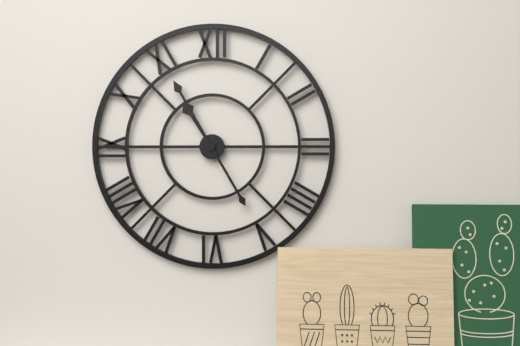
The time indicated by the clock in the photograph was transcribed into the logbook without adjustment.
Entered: 10:55
